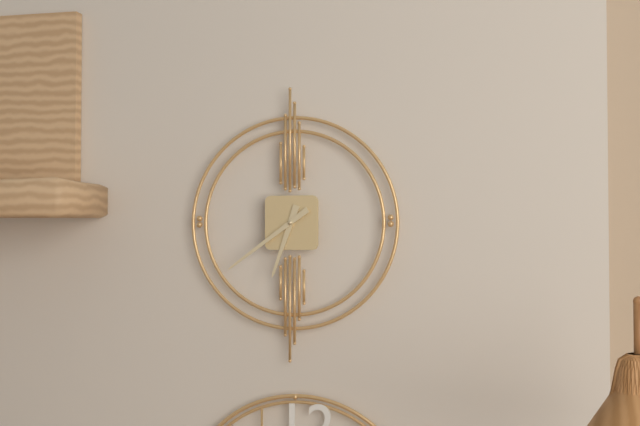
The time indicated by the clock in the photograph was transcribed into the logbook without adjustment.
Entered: 6:39
